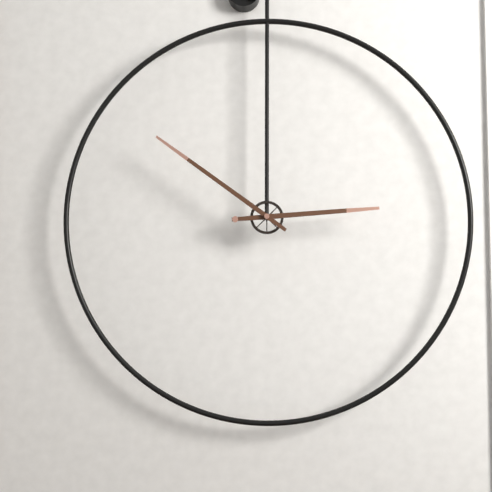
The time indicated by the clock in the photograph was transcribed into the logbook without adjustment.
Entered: 2:51
